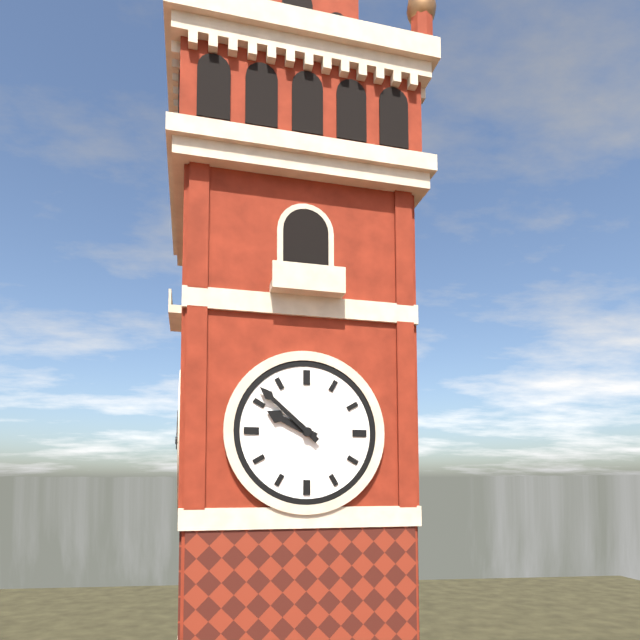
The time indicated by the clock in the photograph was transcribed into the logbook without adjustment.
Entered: 9:52
